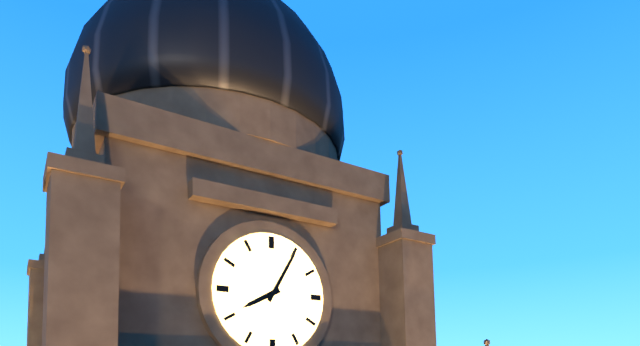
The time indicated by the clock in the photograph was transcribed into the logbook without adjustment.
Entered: 8:05
